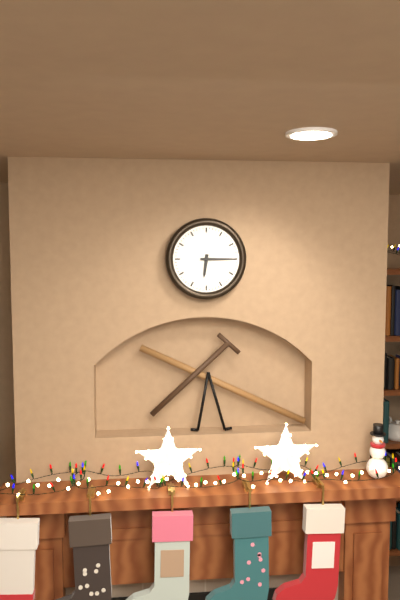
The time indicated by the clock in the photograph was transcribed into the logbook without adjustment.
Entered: 6:15
